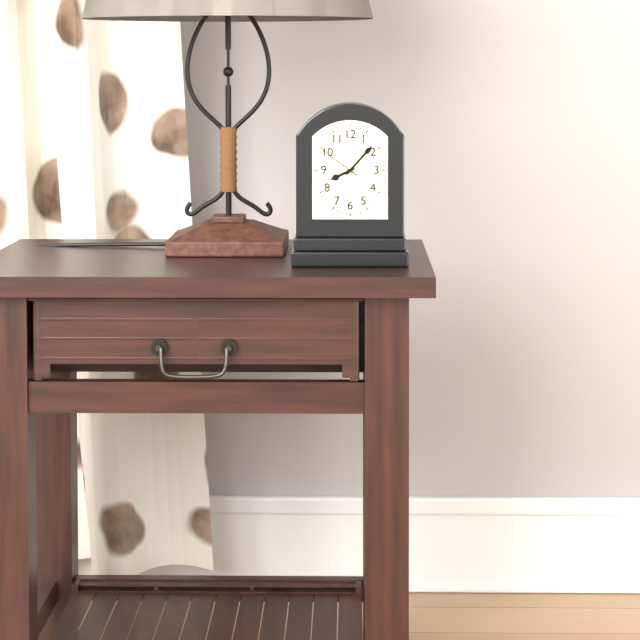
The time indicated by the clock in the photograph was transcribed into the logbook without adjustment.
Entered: 8:07
